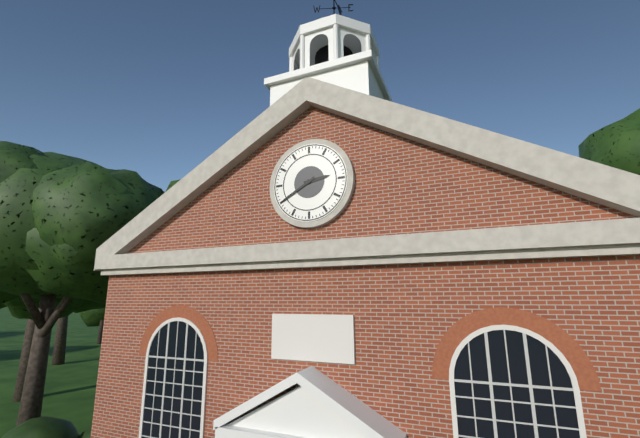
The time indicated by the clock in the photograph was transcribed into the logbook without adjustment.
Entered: 2:40
